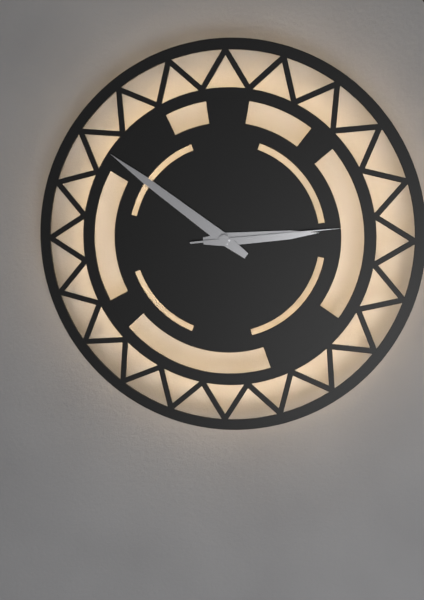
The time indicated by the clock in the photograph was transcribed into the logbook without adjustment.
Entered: 2:51:14
